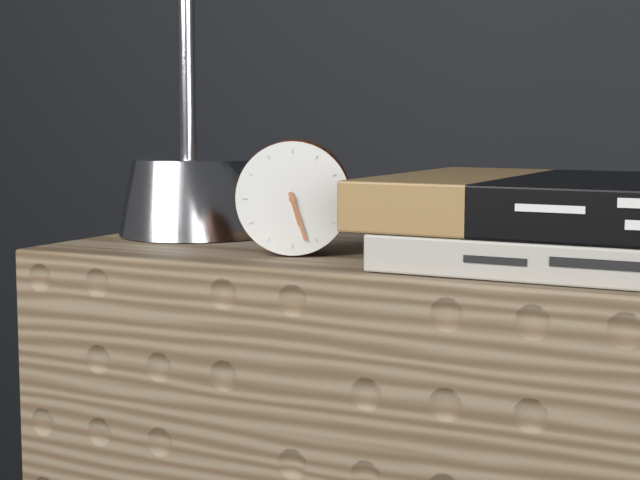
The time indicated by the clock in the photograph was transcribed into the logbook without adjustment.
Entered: 5:27
